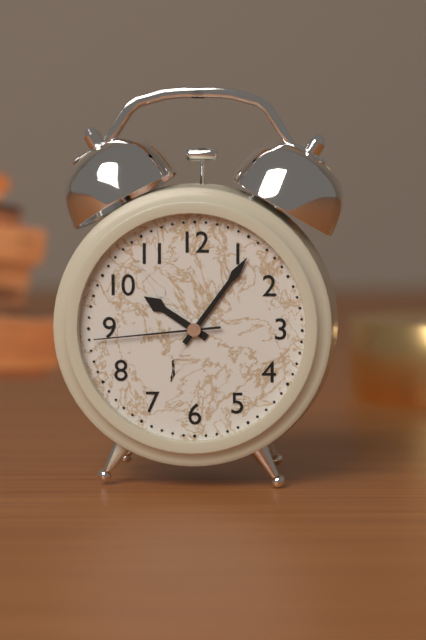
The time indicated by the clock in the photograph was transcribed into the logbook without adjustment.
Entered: 10:06:44
